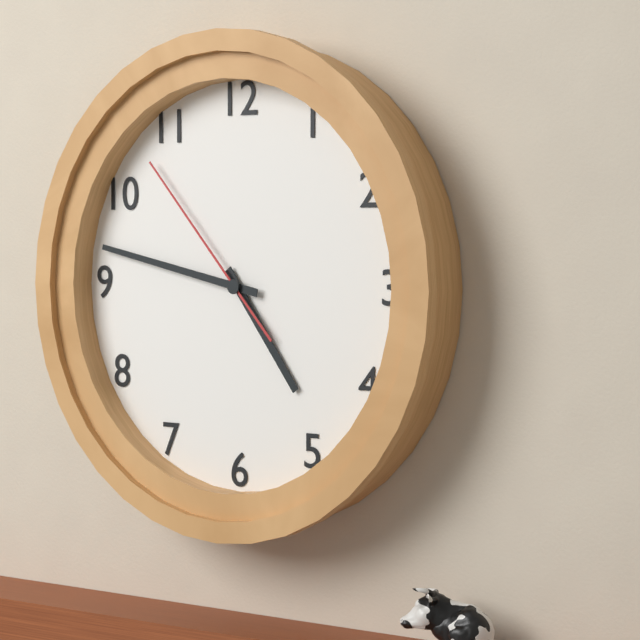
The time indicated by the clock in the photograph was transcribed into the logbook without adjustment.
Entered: 4:47:53
